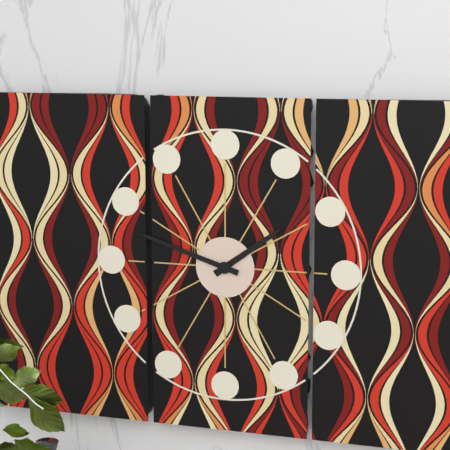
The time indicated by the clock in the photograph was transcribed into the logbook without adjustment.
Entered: 1:48
